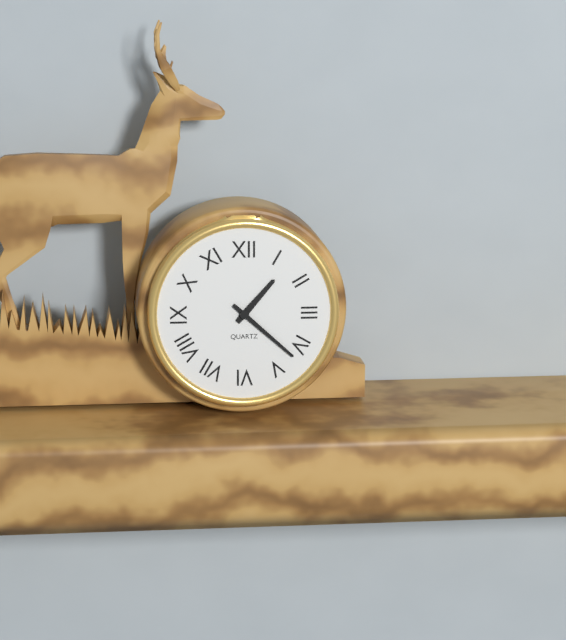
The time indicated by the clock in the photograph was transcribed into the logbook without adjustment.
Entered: 1:22
